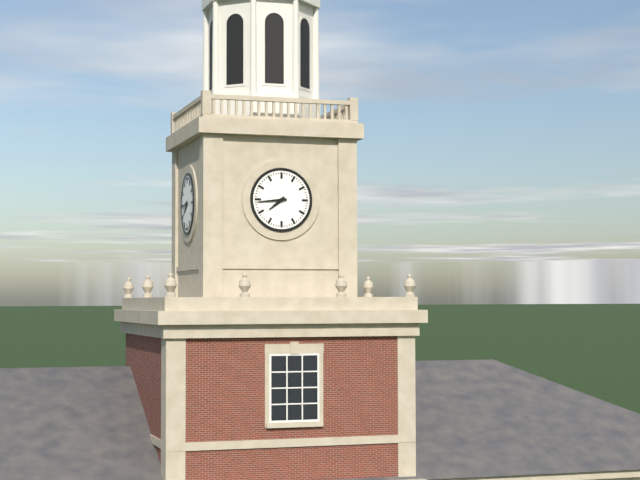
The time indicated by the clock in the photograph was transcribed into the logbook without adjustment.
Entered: 7:44
